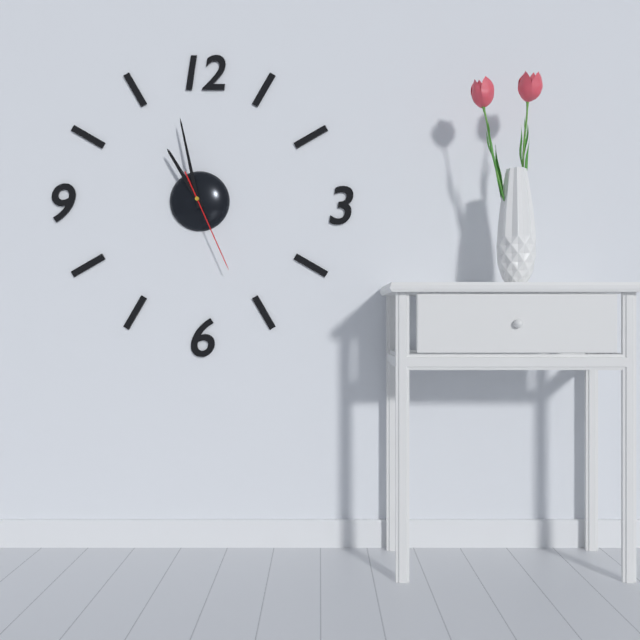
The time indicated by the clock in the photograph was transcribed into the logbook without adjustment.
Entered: 10:58:26
